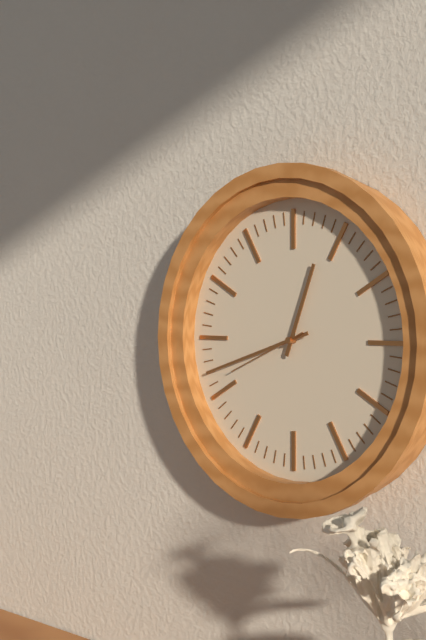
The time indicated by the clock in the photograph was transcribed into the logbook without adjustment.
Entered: 12:42:41
